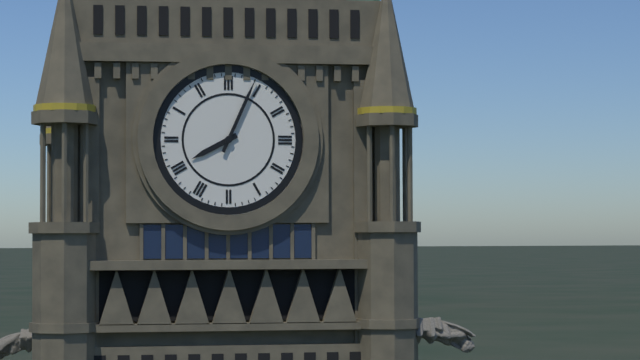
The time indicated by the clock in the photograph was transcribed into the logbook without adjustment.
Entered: 8:04
